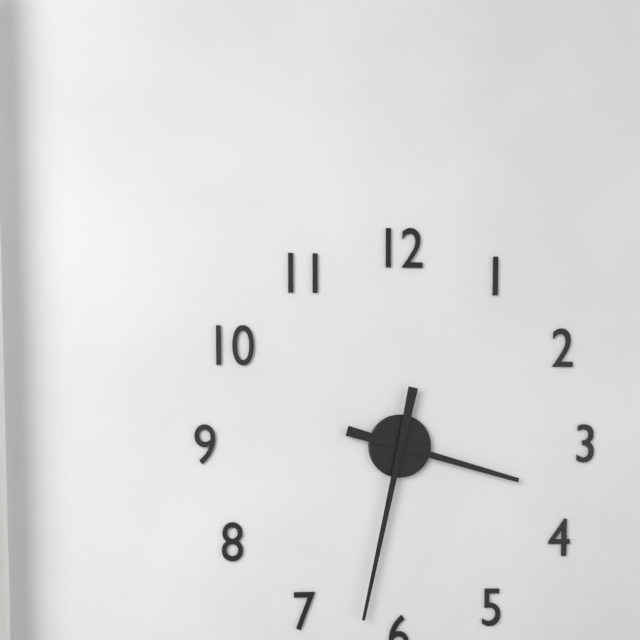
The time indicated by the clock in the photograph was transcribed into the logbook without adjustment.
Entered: 3:32
